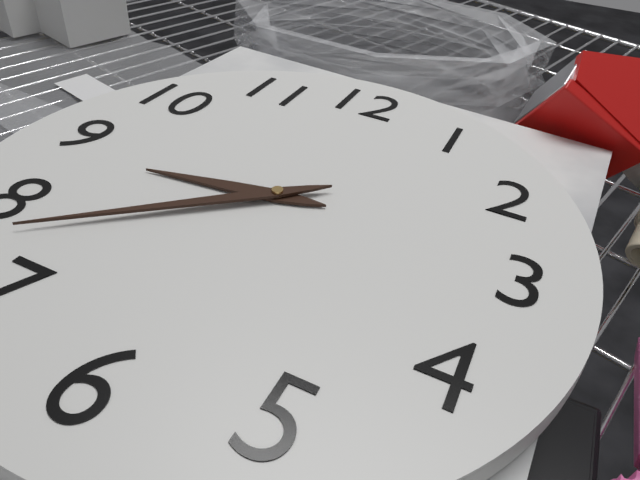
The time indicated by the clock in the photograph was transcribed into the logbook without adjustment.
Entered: 8:38
